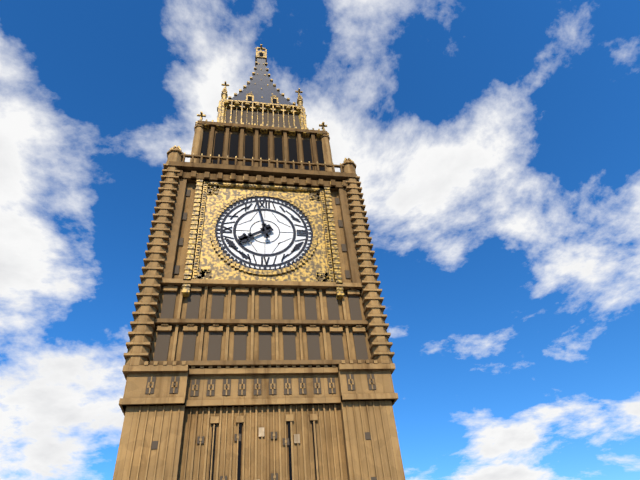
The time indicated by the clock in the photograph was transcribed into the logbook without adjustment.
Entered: 7:58
